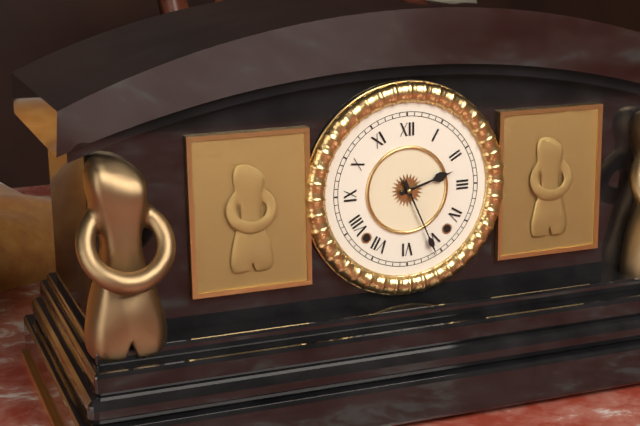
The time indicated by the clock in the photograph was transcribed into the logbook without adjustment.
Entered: 2:26
